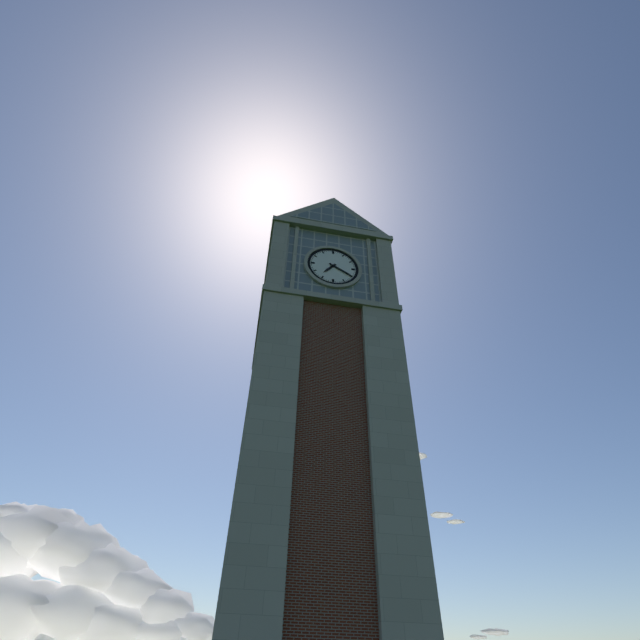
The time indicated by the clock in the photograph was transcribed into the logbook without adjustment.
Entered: 7:20
